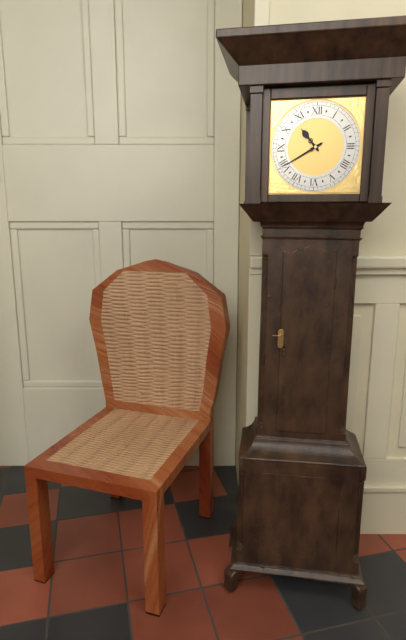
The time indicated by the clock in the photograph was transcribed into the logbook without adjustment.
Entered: 10:40
